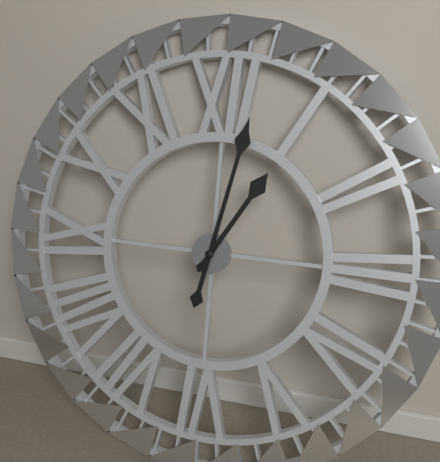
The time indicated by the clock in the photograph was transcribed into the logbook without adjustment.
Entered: 1:02
